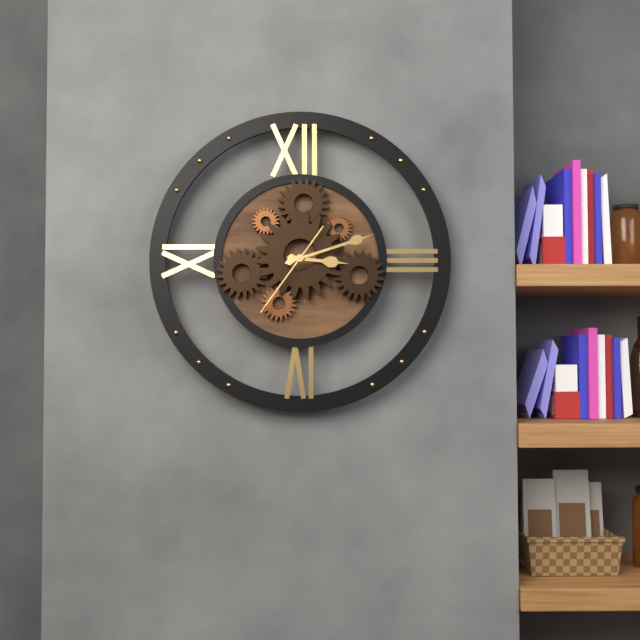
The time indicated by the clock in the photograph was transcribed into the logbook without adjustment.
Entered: 3:12:36
